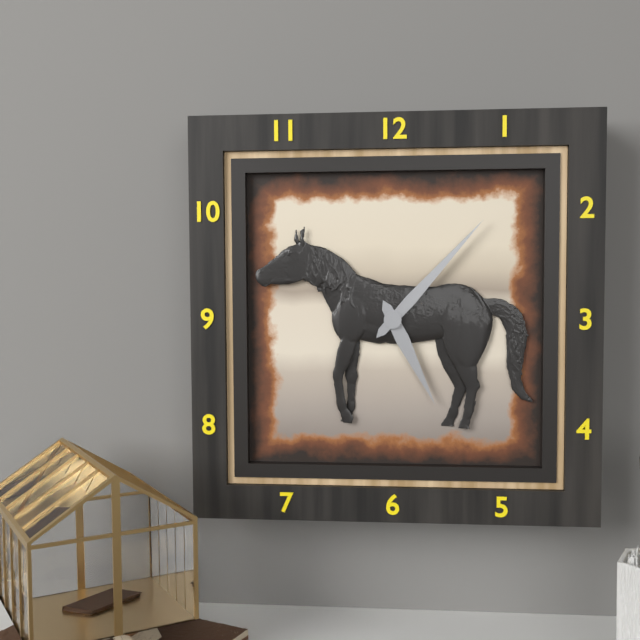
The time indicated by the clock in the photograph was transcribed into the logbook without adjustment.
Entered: 5:07
